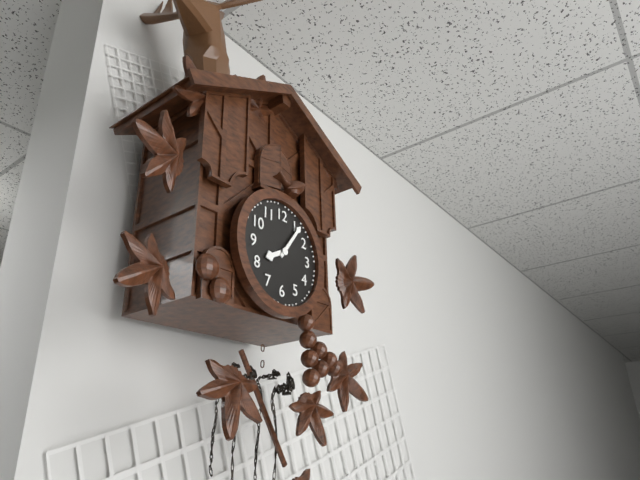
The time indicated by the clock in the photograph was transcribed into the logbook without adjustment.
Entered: 8:06
